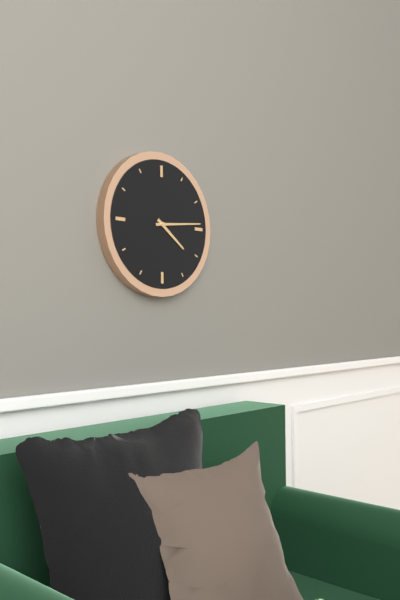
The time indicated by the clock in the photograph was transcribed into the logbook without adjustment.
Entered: 4:14
